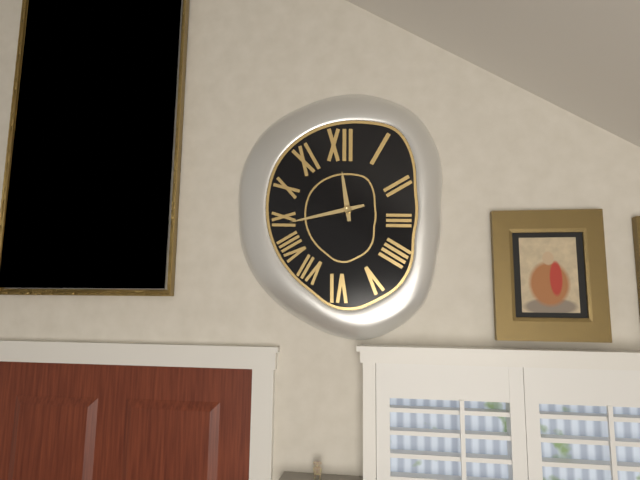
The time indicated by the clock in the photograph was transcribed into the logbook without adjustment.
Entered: 11:43
